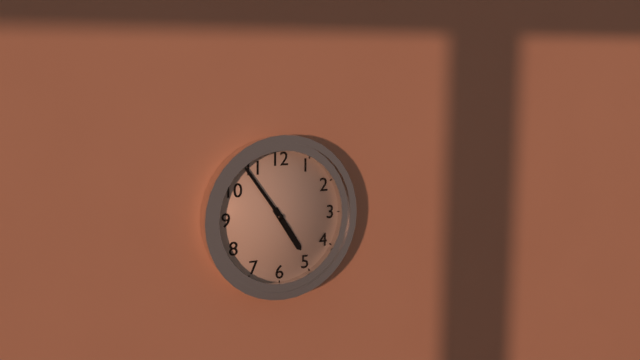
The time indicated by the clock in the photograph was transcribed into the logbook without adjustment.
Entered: 4:54
